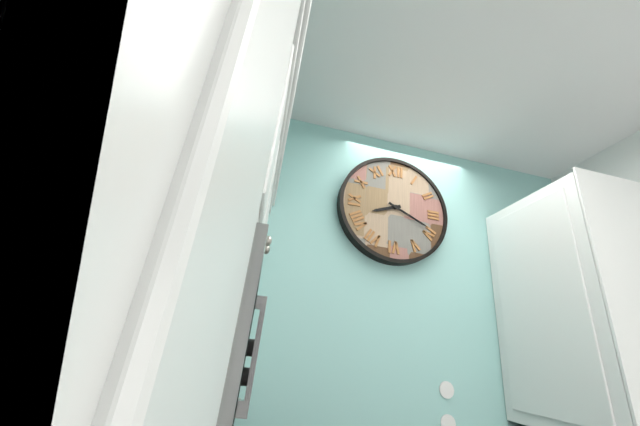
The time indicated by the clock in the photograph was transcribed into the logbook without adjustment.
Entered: 8:19
